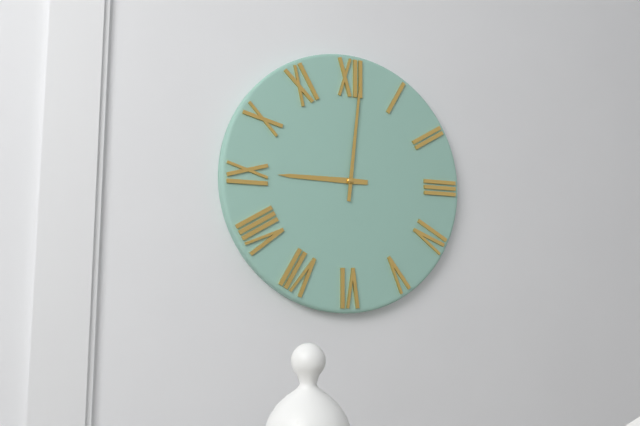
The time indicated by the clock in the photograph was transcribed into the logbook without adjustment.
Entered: 9:01
